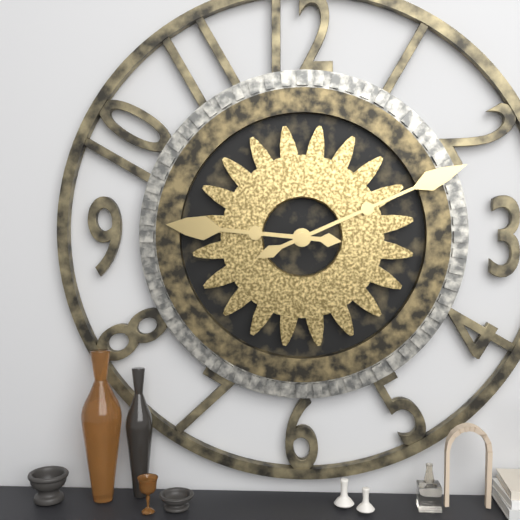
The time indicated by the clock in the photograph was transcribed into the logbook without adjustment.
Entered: 9:11
